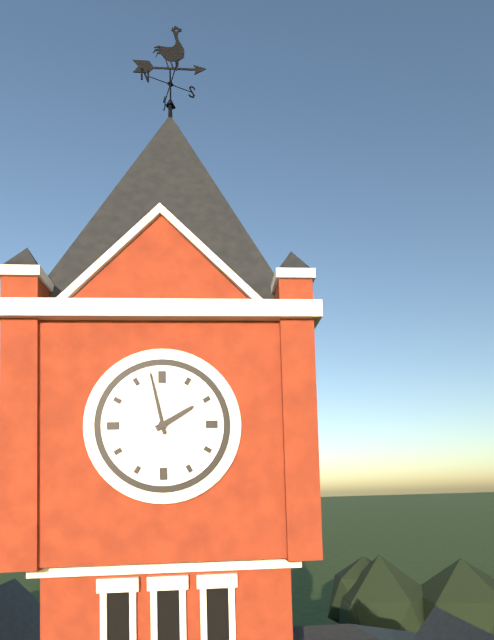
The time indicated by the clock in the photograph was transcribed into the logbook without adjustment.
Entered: 1:58
